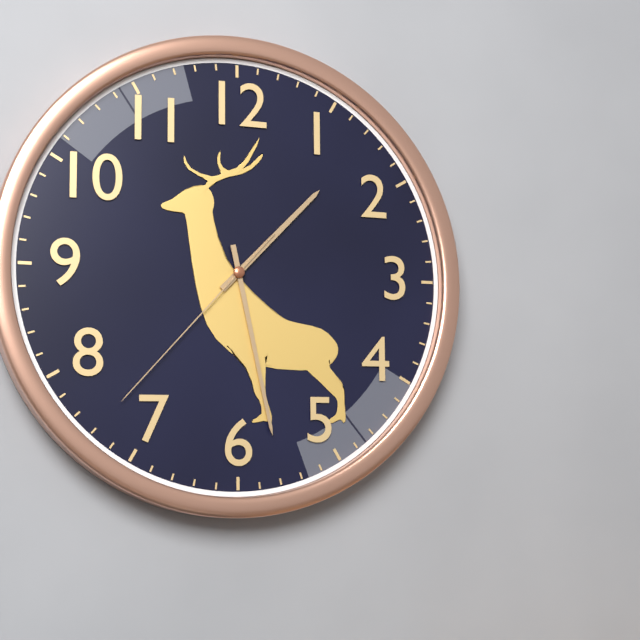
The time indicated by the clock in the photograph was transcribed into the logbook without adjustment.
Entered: 1:28:37
